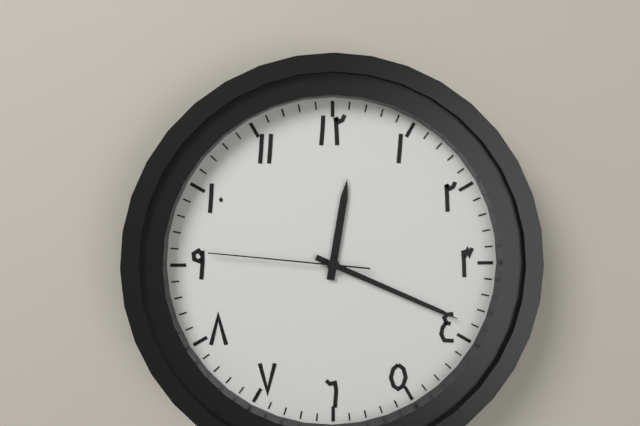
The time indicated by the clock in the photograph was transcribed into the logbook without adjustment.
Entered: 12:19:46
